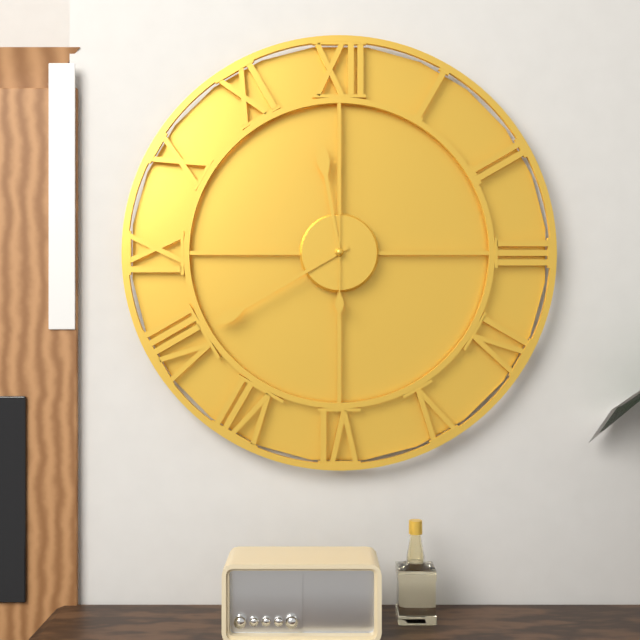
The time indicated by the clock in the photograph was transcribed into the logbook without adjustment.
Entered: 11:40:00
